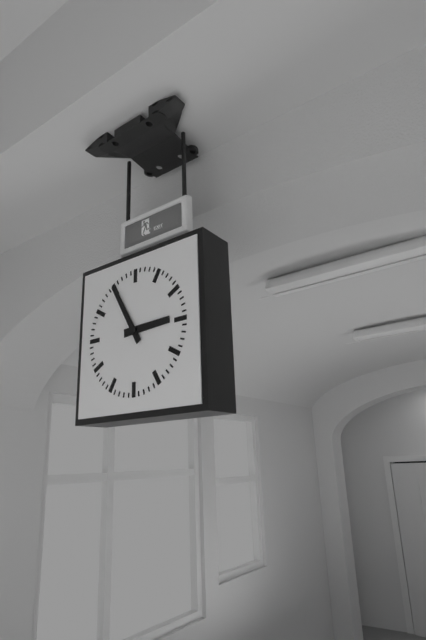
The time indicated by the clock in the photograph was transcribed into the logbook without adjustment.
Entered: 2:55
